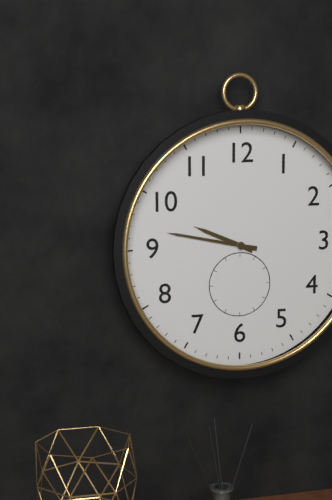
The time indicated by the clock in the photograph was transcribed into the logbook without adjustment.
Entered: 9:47
